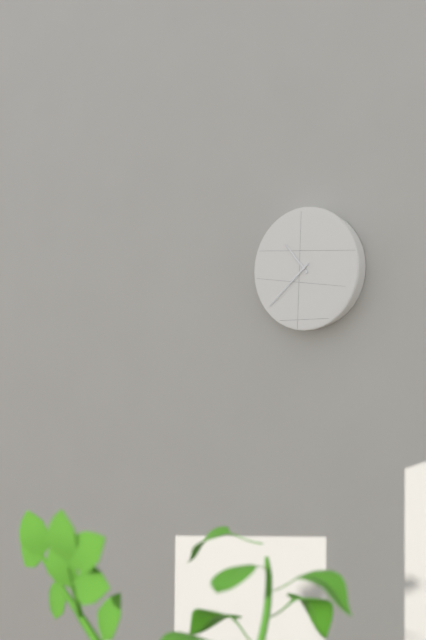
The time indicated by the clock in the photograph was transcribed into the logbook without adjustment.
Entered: 10:38
